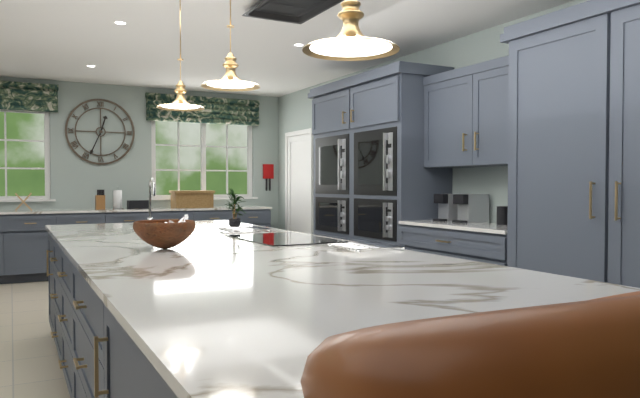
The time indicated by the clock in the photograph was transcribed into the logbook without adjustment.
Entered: 12:34
